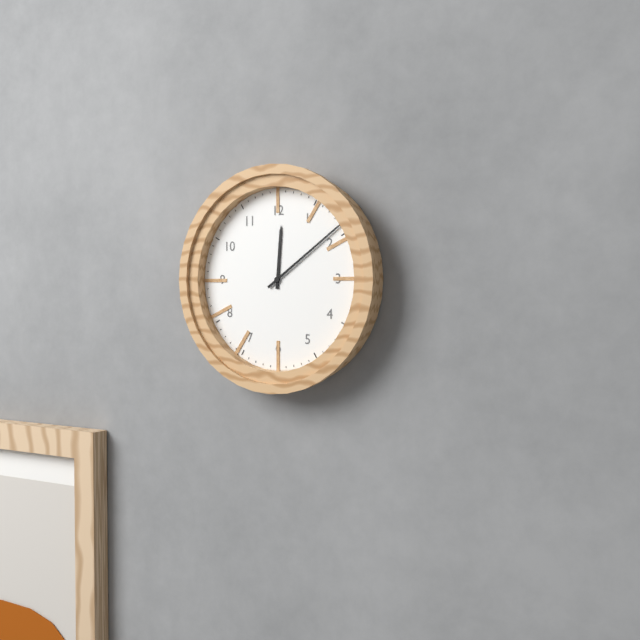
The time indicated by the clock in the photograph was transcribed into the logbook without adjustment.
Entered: 12:09
